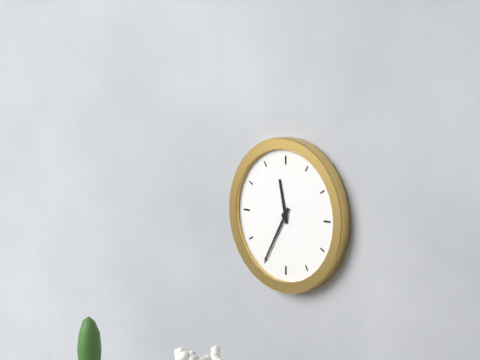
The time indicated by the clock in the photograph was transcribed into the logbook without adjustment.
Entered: 11:35
